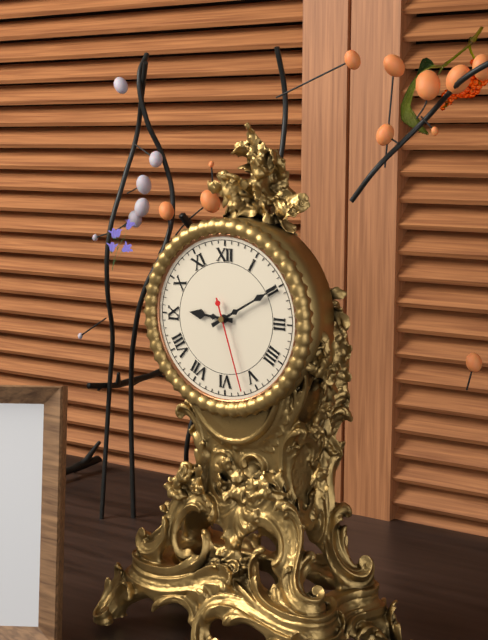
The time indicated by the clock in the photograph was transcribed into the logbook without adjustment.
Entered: 9:10:27
